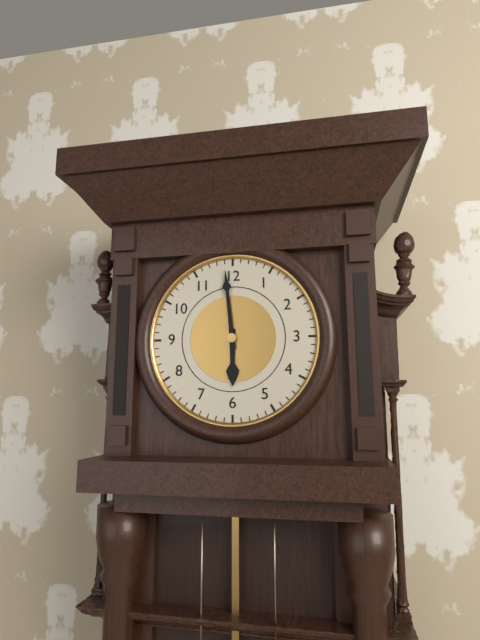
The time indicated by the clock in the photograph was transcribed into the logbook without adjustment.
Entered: 5:59
